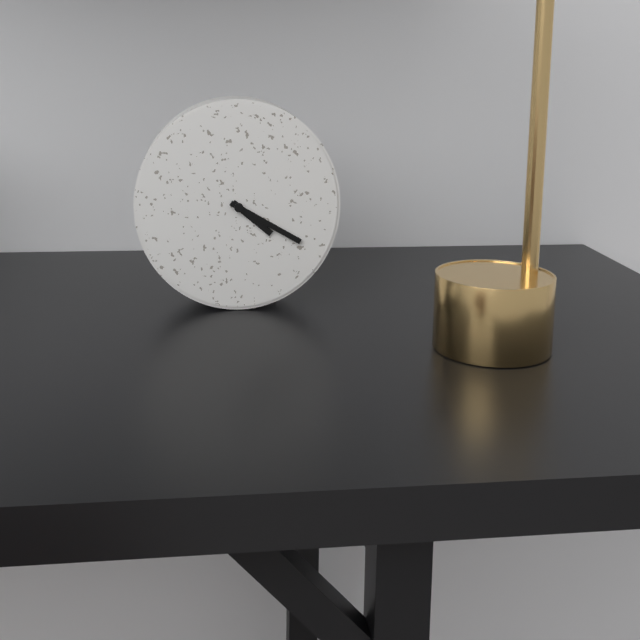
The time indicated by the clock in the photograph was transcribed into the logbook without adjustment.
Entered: 4:20
